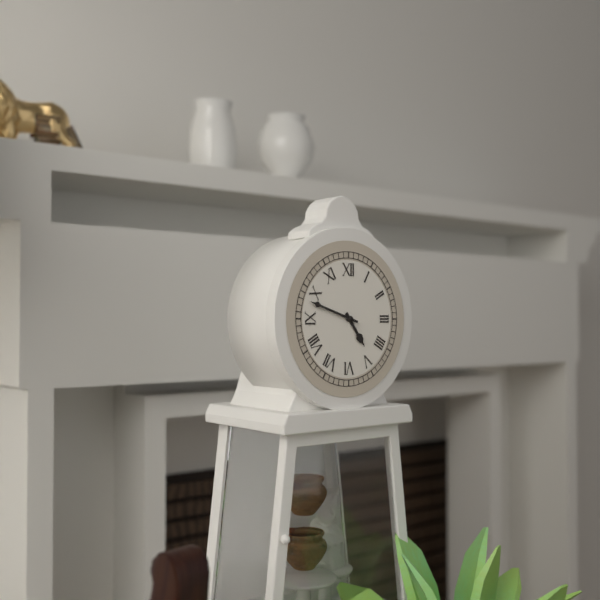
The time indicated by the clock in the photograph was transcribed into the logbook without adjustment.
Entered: 4:48
